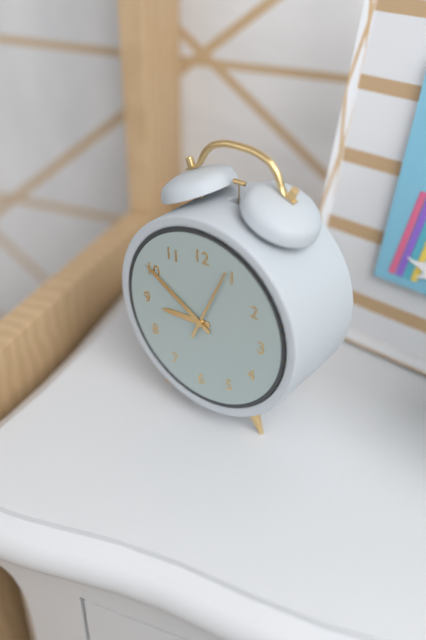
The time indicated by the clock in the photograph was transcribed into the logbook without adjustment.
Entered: 8:50:04
